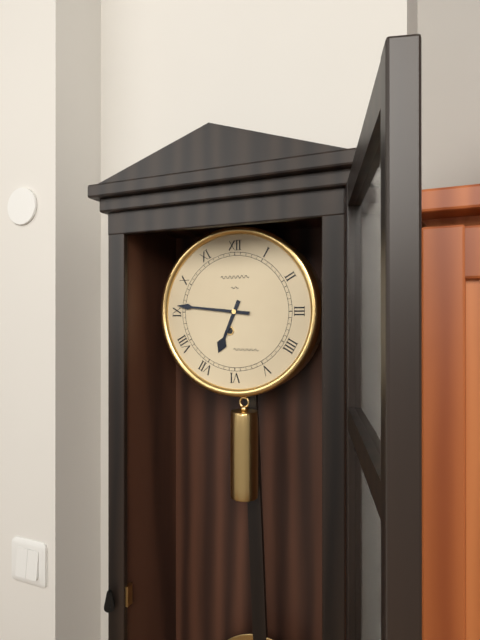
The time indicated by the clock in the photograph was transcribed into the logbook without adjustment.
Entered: 6:46
